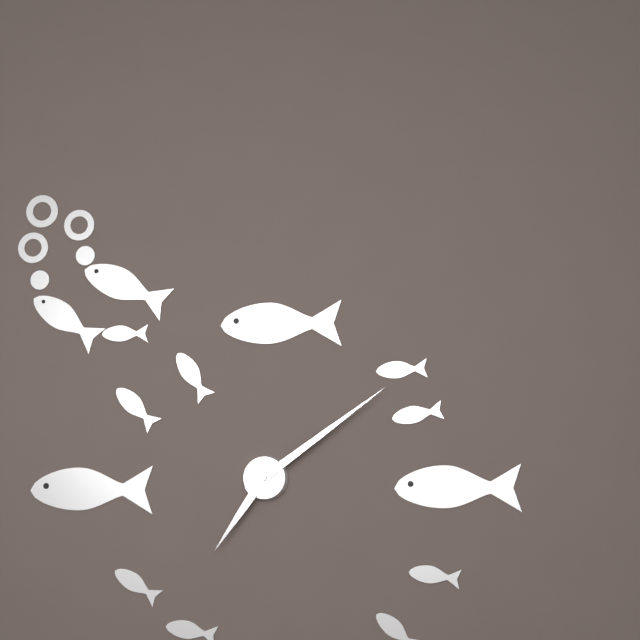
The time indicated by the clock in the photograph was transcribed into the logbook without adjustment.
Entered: 7:09
